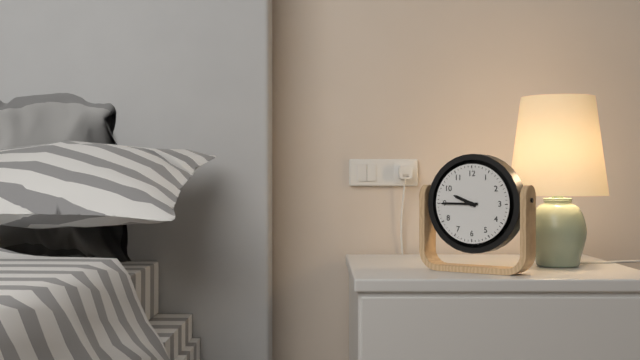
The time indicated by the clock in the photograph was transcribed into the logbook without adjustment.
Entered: 9:45
